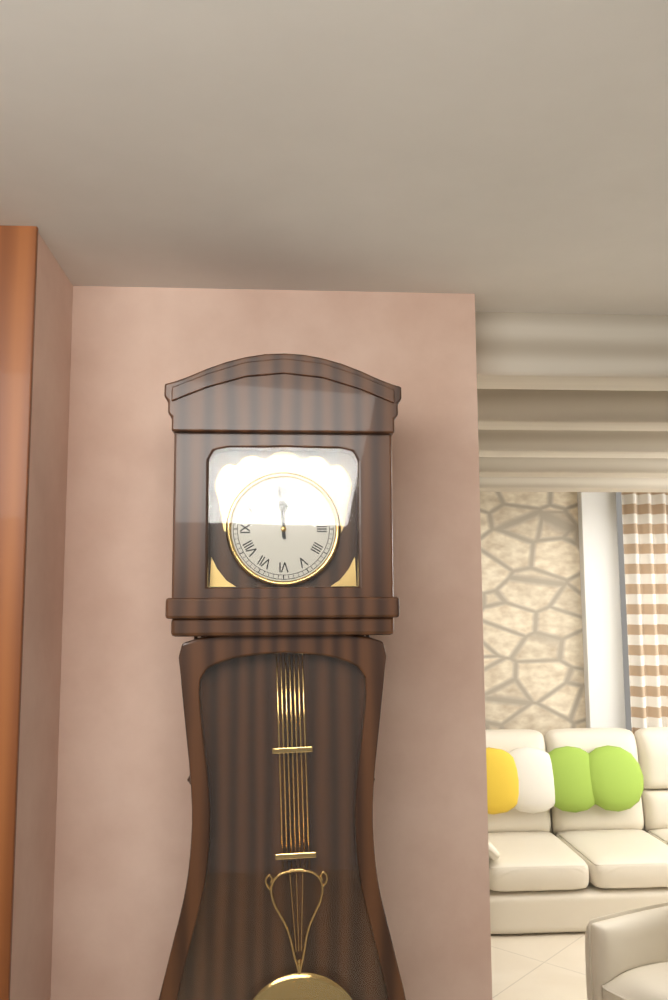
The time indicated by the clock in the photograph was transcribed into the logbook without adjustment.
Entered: 11:59
